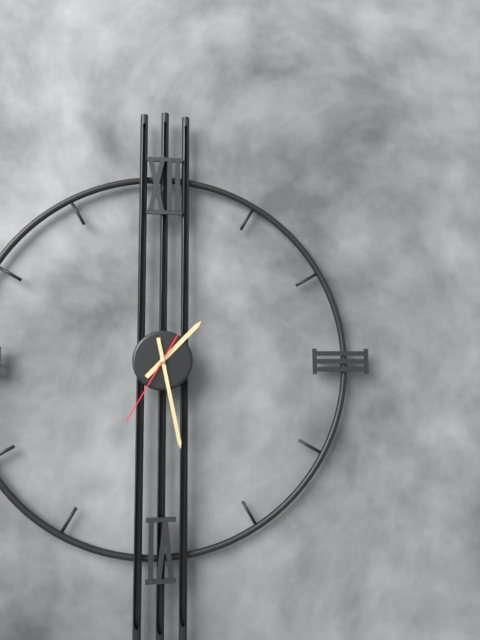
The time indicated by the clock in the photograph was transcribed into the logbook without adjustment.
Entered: 1:28:35
